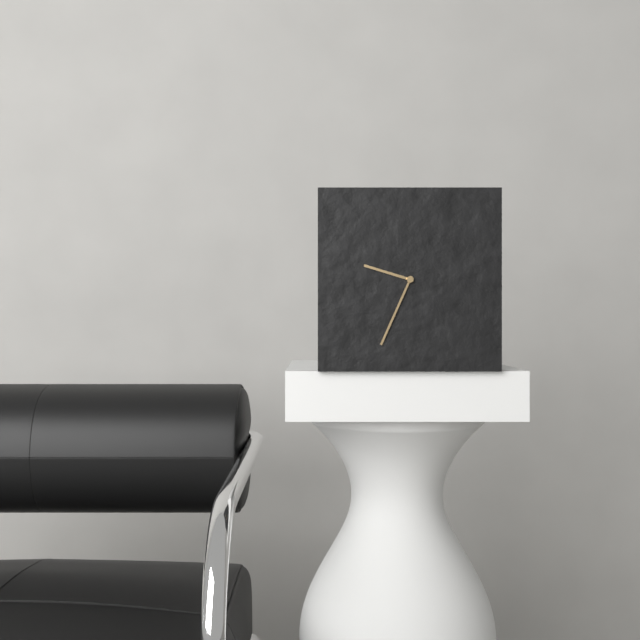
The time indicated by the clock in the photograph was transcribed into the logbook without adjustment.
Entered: 9:34
